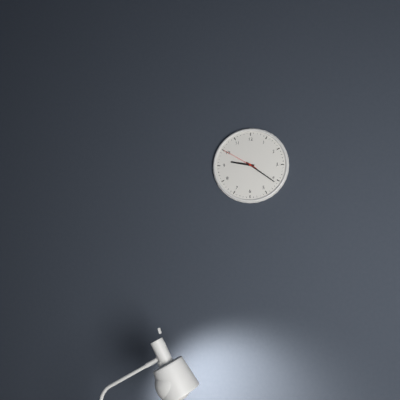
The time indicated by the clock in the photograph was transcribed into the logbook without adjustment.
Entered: 9:21
